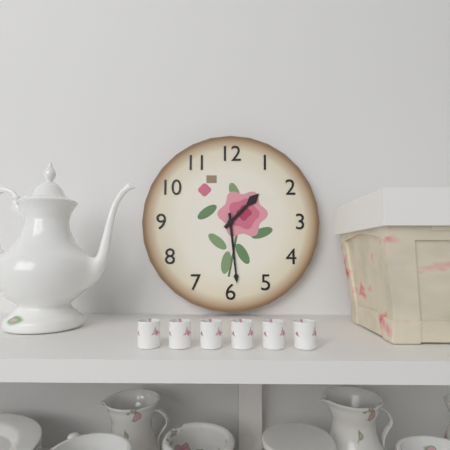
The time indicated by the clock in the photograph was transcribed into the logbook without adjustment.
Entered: 1:29
